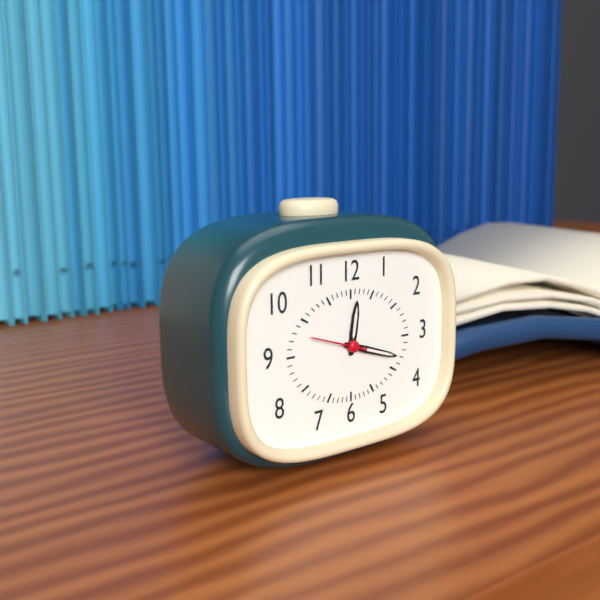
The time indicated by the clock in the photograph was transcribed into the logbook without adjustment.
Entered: 12:18:48
